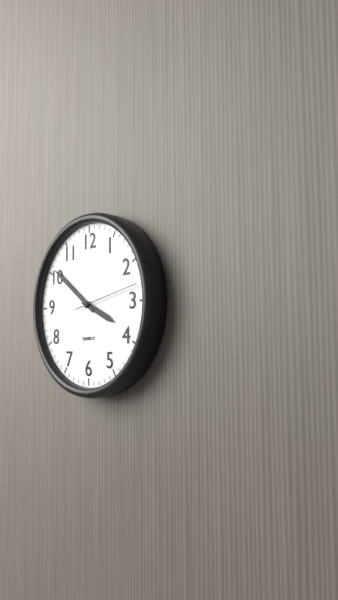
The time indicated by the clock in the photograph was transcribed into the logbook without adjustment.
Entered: 3:51:13
